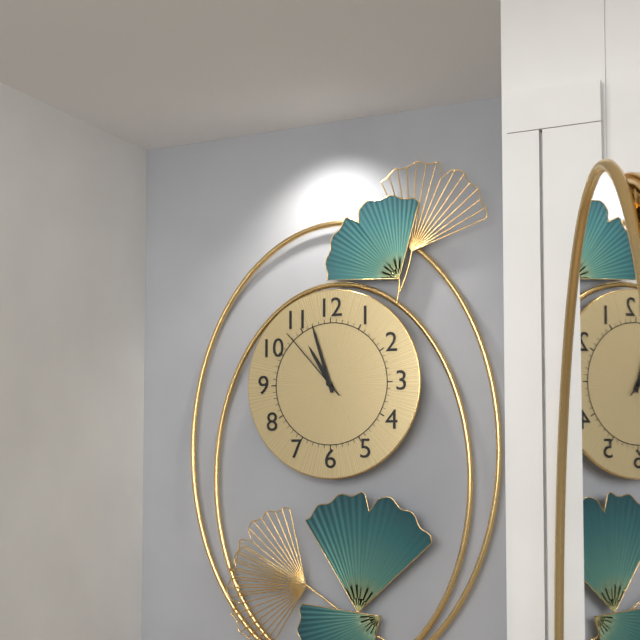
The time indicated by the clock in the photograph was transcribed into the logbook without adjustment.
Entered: 10:57:53
